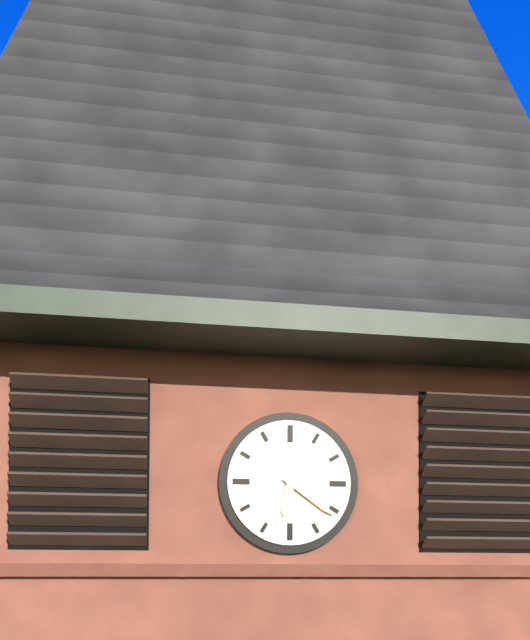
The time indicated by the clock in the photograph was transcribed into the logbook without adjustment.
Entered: 6:21
